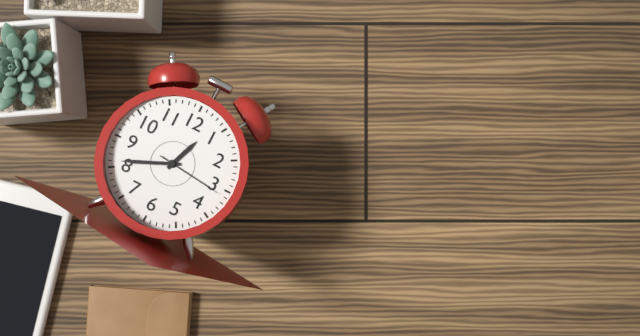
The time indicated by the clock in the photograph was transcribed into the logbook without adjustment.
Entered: 12:41:16
